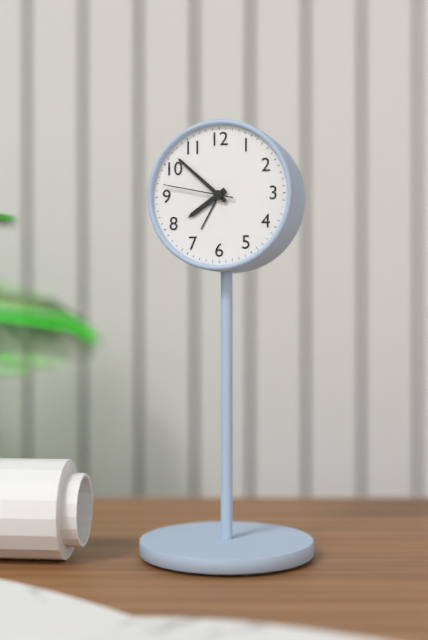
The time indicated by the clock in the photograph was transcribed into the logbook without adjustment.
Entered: 7:52:47
